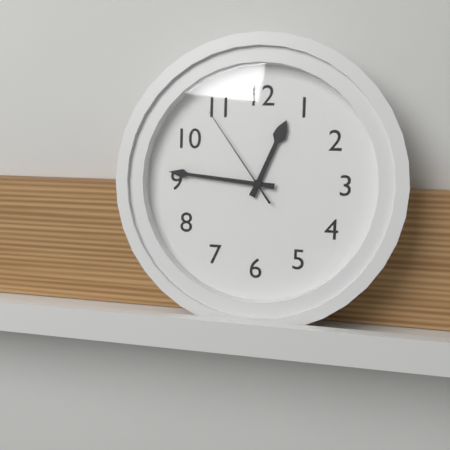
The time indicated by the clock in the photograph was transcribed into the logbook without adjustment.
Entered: 12:46:54
